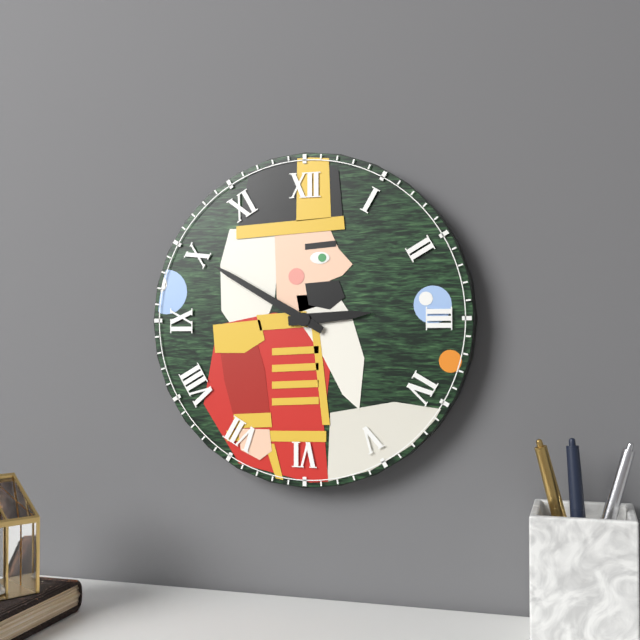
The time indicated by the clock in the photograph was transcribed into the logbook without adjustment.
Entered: 2:50
